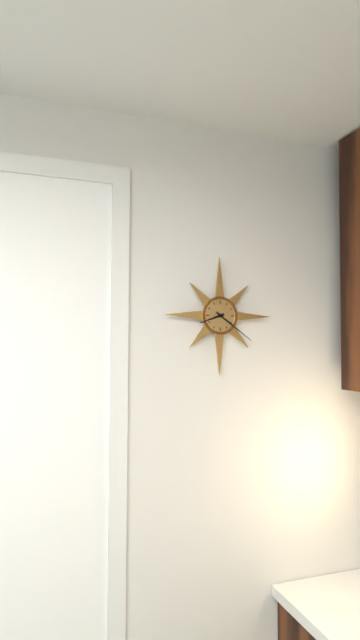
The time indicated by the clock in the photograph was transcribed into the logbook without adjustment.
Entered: 8:21
